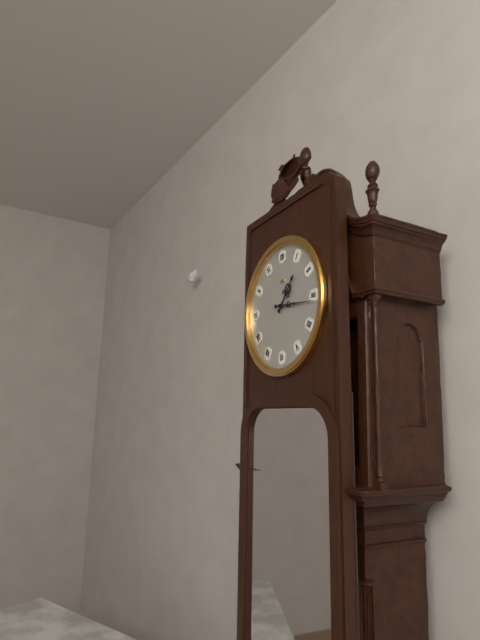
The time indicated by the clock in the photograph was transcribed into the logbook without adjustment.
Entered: 1:16
